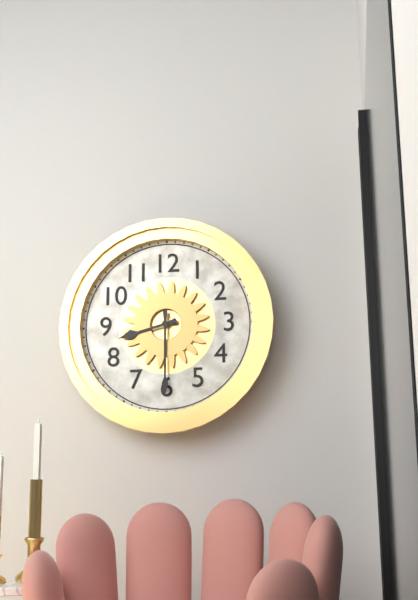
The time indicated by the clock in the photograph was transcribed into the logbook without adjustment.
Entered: 8:30
